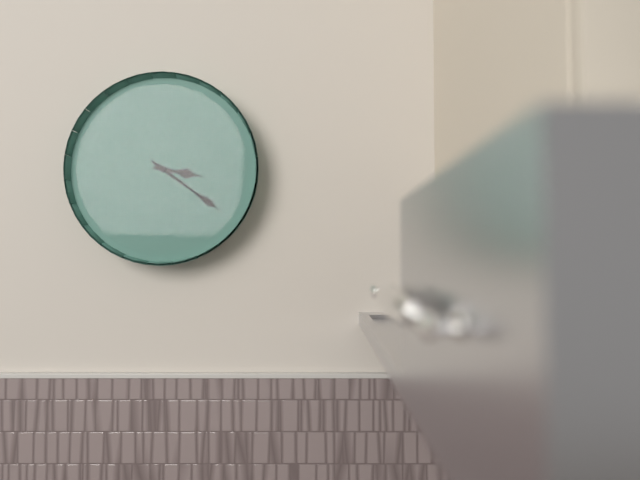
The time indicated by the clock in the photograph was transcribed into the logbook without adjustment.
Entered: 3:21
